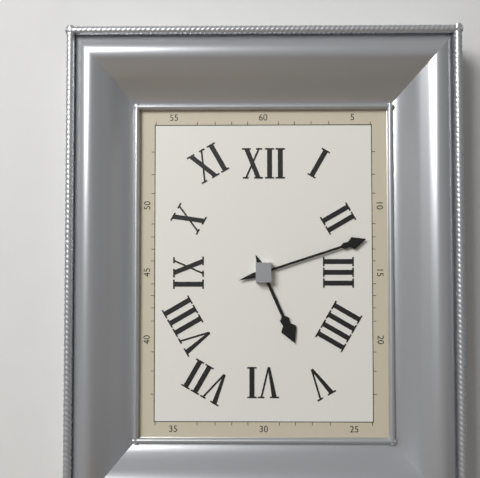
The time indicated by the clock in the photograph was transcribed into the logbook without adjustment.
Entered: 5:12
